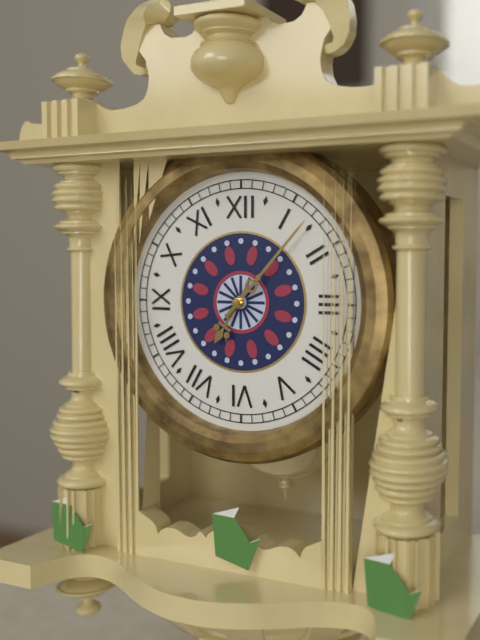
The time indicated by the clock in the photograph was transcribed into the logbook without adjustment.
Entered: 7:07
